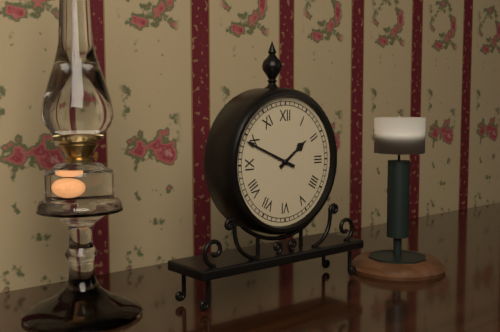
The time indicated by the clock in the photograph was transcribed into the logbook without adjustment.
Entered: 1:49
